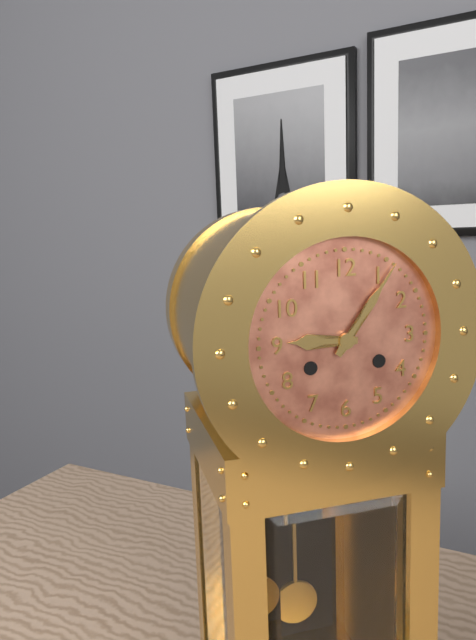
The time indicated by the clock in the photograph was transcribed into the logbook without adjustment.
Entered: 9:06
